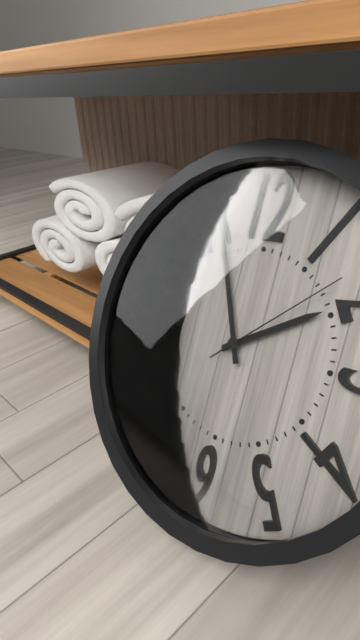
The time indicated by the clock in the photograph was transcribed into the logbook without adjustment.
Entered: 1:56:08
